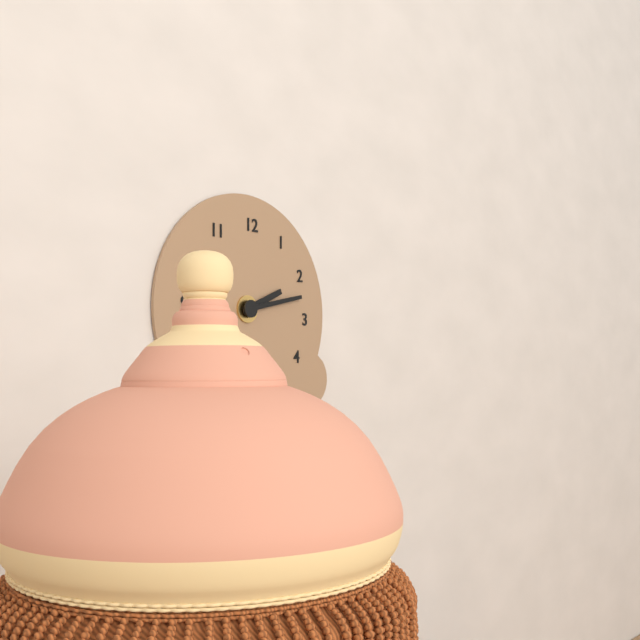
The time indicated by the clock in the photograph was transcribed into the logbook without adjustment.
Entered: 2:13
